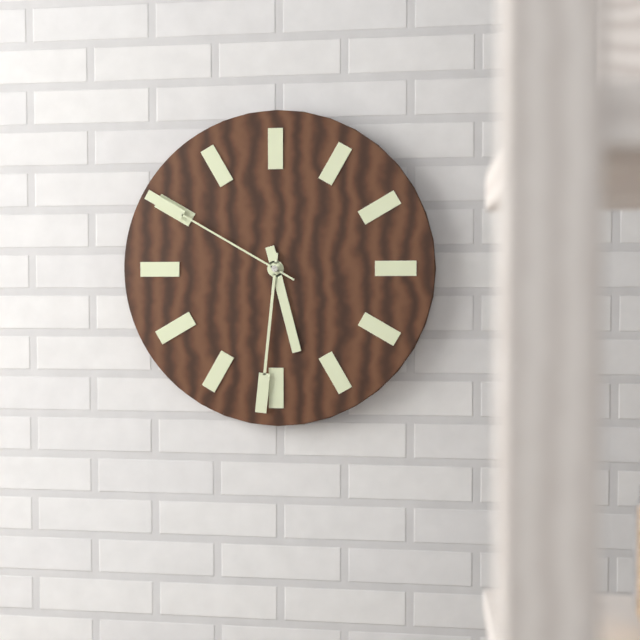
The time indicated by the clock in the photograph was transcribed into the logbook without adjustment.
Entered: 5:31:50
